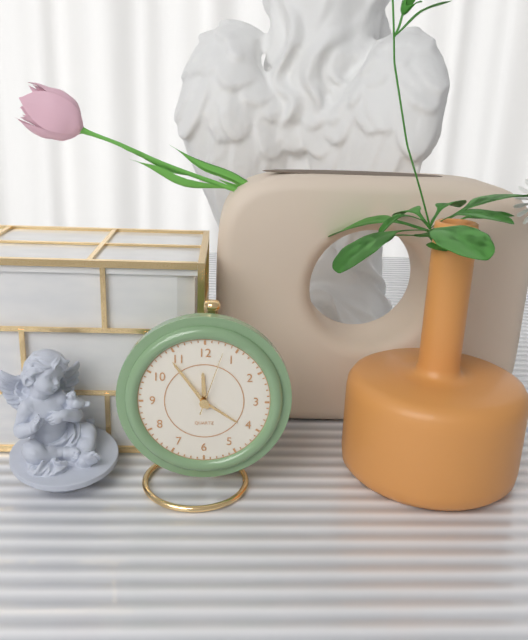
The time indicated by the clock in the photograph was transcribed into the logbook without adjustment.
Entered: 11:54:03
